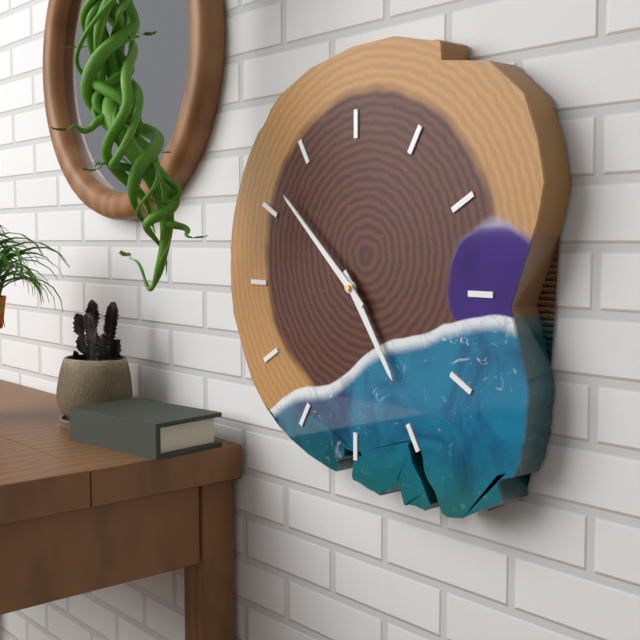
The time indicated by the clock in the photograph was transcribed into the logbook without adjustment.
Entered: 4:52
